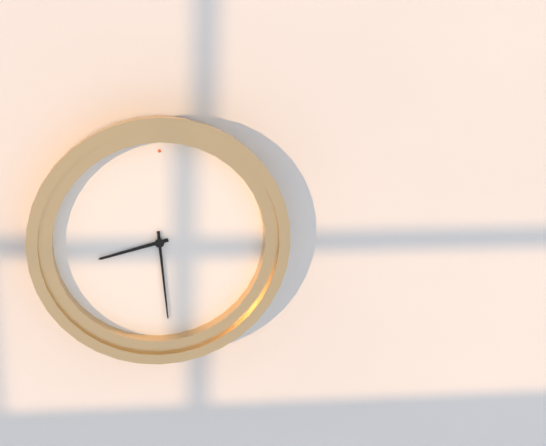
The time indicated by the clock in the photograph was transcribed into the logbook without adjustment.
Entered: 8:29
